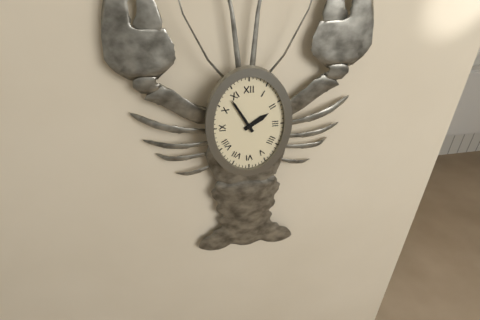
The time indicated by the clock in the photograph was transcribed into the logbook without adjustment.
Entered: 1:55
